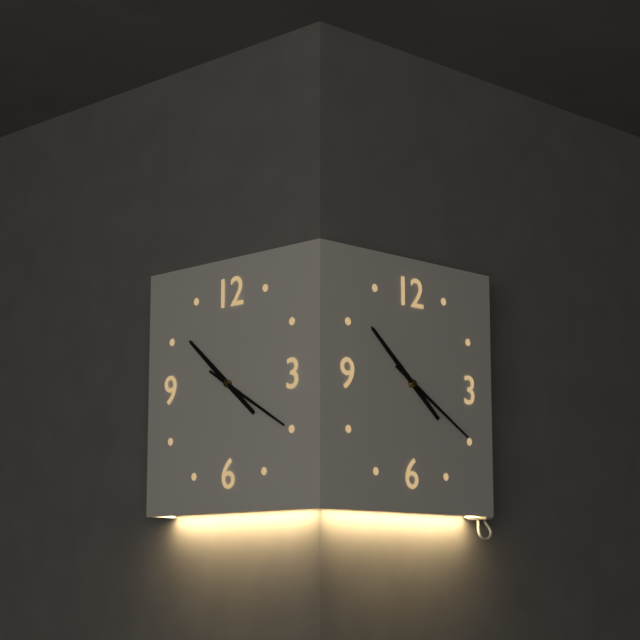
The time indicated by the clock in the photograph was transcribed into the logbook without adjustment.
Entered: 10:20
